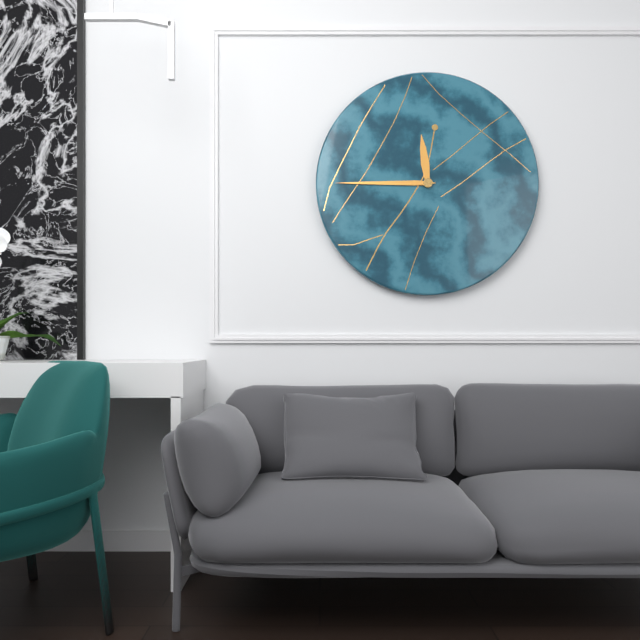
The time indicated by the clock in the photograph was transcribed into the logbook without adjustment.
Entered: 11:45
